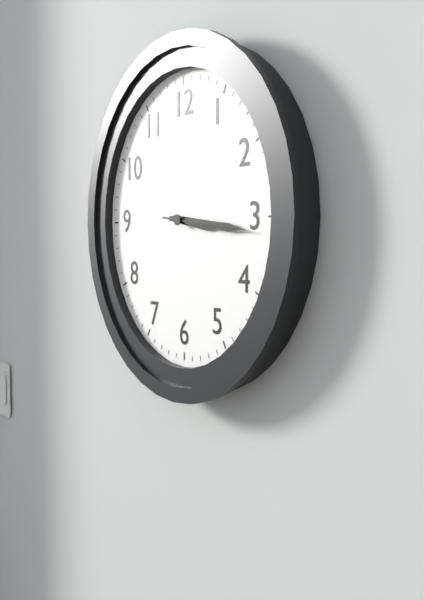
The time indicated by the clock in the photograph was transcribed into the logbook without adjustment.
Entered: 3:16:16
